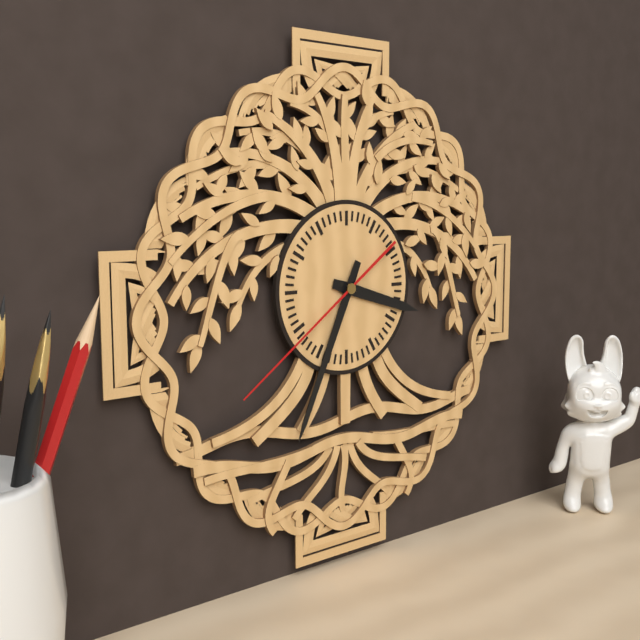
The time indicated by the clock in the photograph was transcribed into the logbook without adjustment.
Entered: 3:34:39
